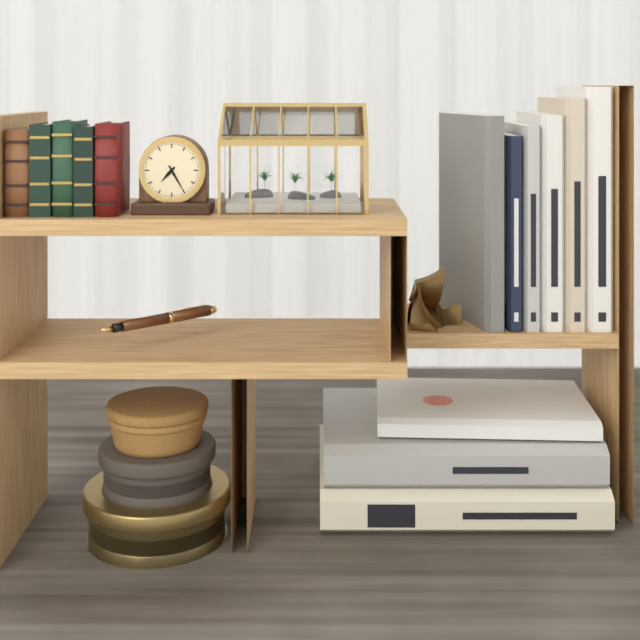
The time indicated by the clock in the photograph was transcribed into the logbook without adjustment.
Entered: 7:25
